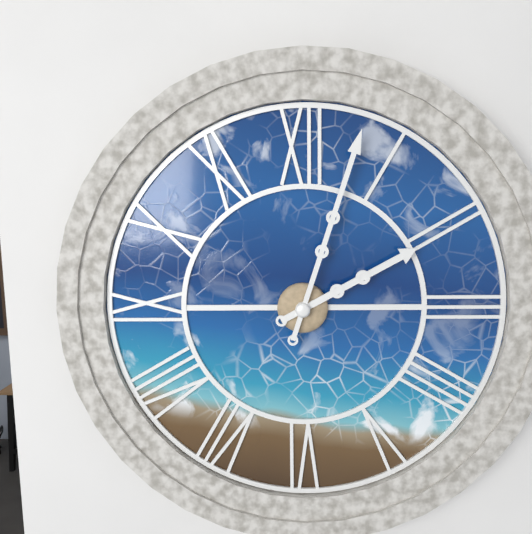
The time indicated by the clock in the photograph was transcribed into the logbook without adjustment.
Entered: 2:03
